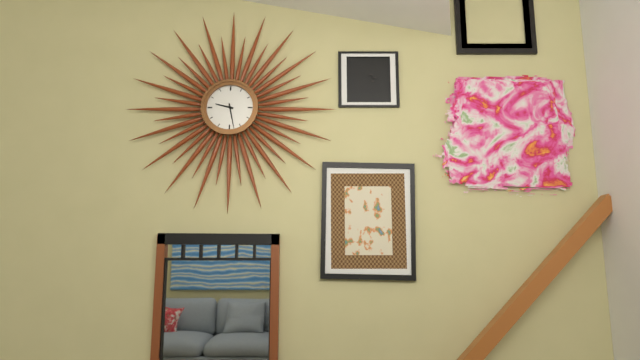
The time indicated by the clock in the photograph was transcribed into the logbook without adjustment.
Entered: 9:28
